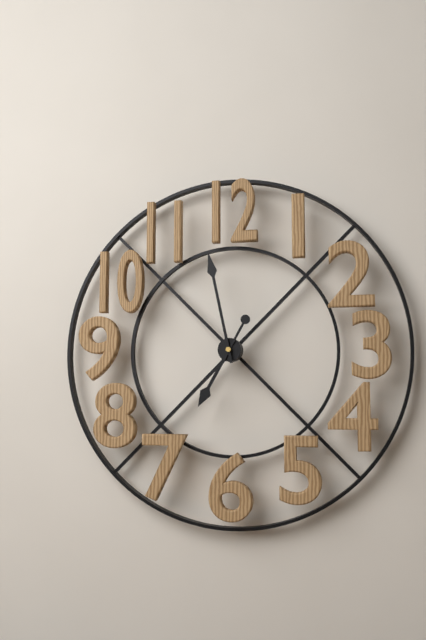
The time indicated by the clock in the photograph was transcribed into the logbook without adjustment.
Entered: 6:58
